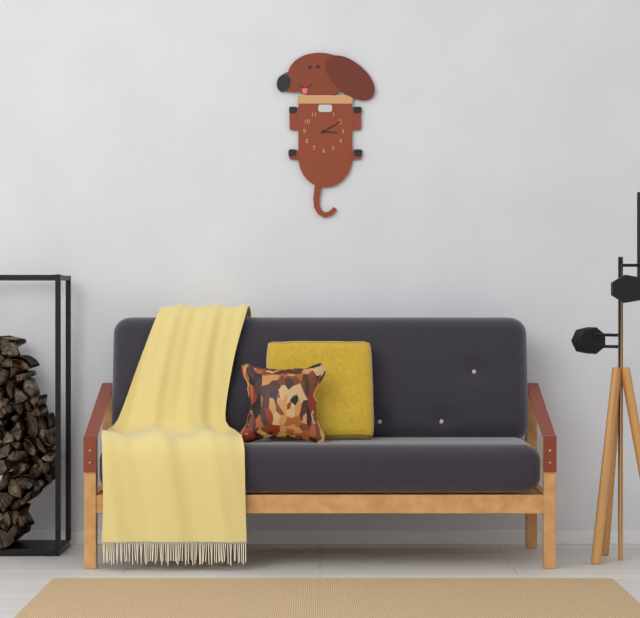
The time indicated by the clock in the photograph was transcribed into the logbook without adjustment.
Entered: 3:10
